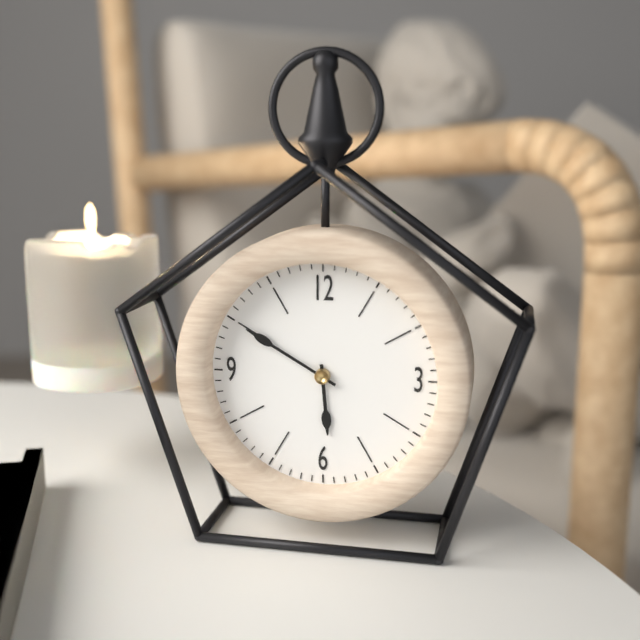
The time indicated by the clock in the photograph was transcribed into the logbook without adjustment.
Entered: 5:50
